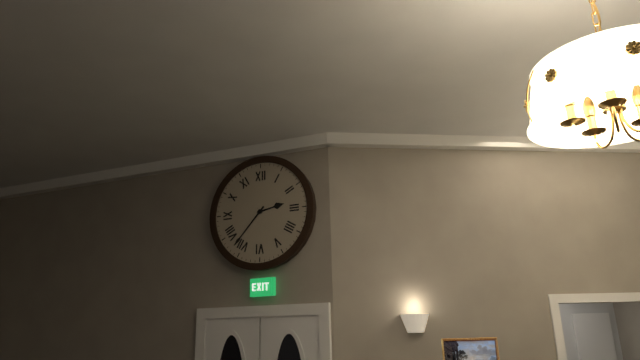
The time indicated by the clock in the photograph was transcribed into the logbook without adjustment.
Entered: 2:37
